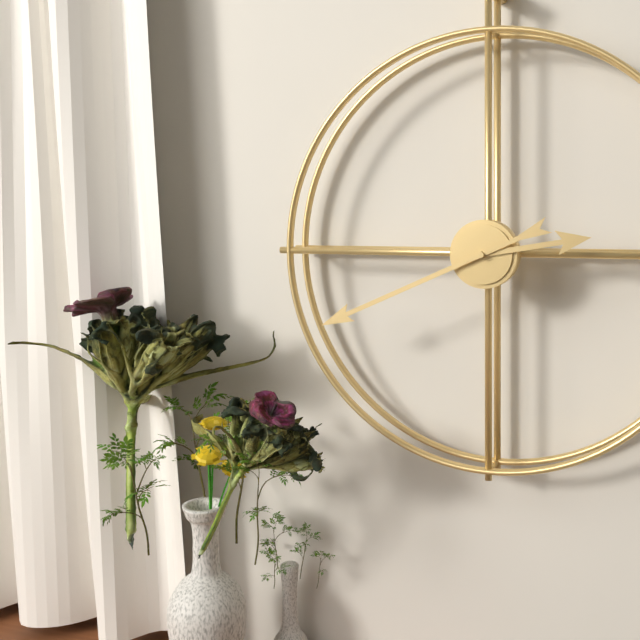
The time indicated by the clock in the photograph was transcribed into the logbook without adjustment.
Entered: 2:41
